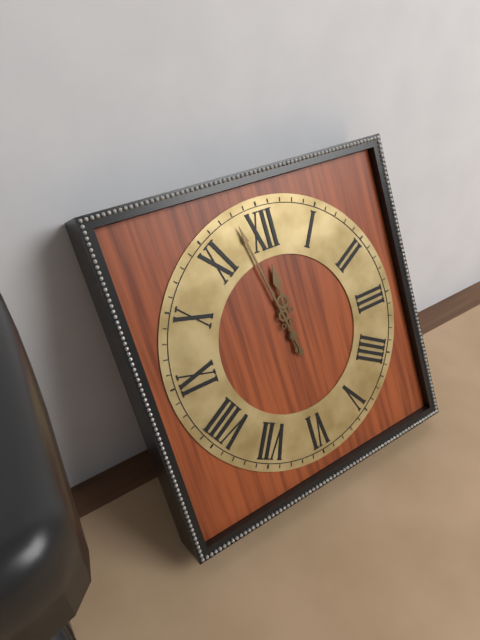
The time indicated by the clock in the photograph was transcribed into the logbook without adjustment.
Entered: 11:58
